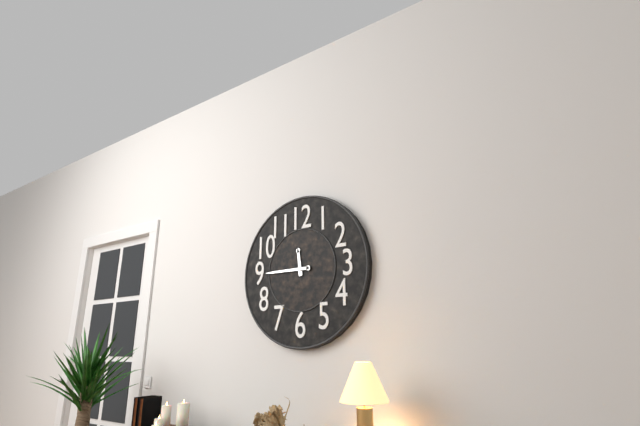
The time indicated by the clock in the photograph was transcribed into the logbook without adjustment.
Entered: 11:45
